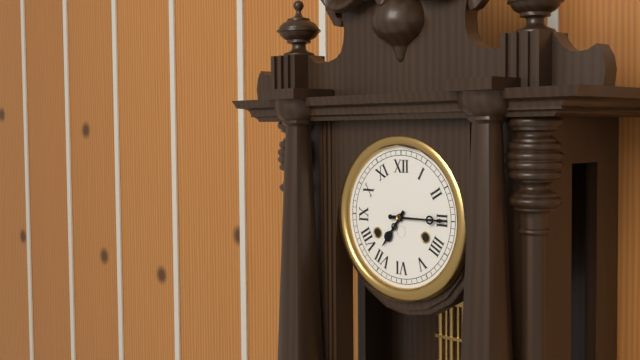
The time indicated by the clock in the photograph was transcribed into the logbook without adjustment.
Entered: 7:15
